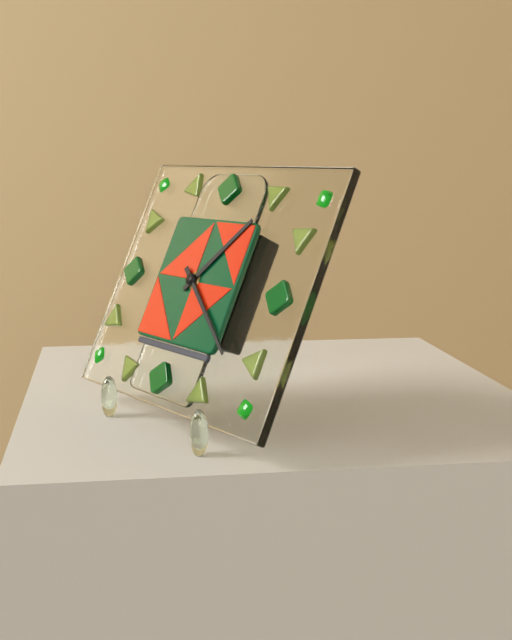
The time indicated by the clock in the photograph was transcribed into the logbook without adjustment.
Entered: 1:21
